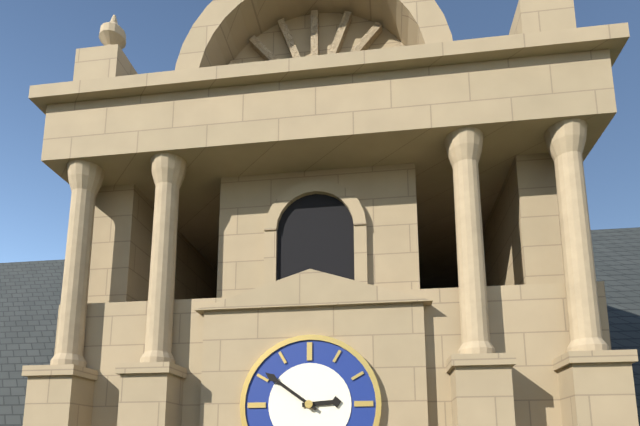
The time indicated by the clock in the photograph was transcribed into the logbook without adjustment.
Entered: 2:51
